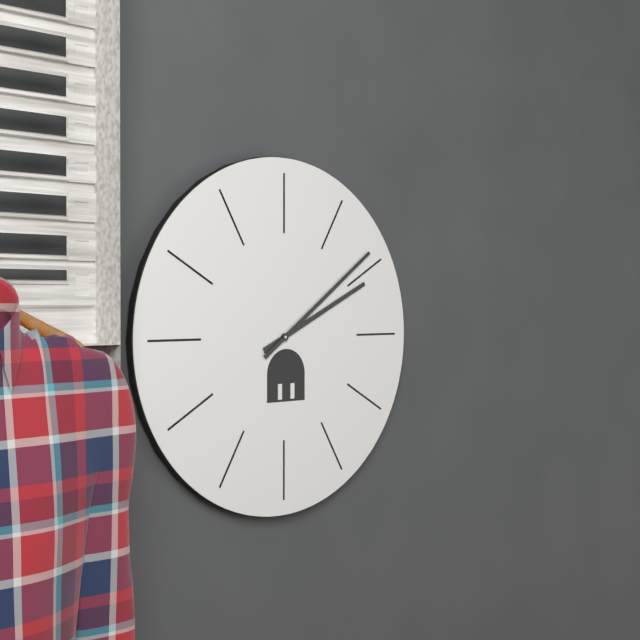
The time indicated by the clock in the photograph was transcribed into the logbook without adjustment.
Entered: 2:09
